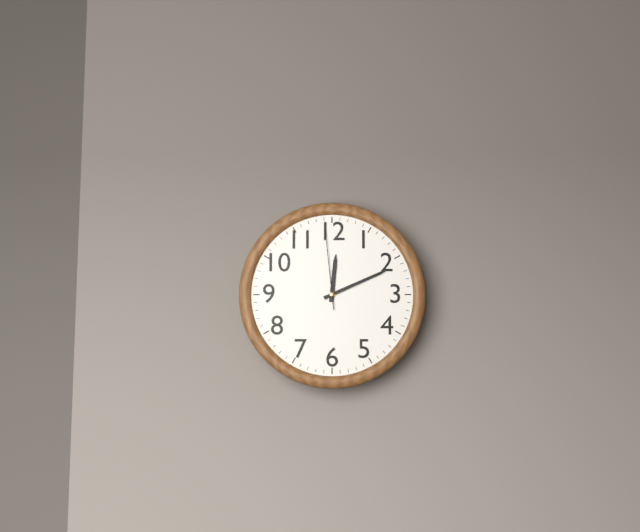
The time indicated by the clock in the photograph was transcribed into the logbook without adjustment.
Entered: 12:11:59
